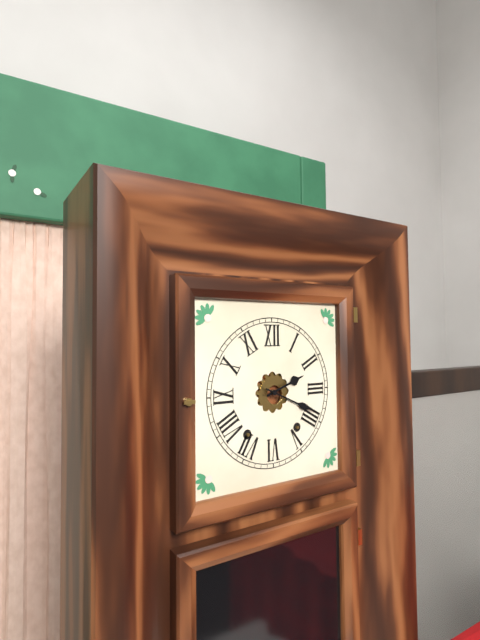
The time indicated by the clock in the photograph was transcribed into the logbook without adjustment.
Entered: 2:19
